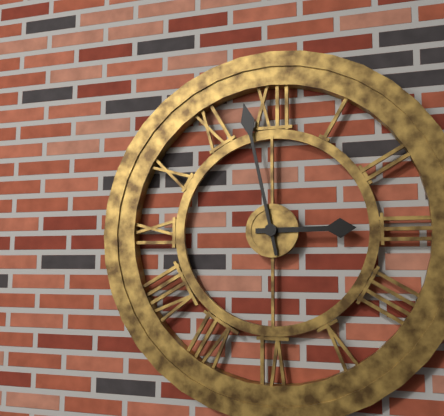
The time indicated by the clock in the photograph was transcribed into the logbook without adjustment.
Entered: 2:58
